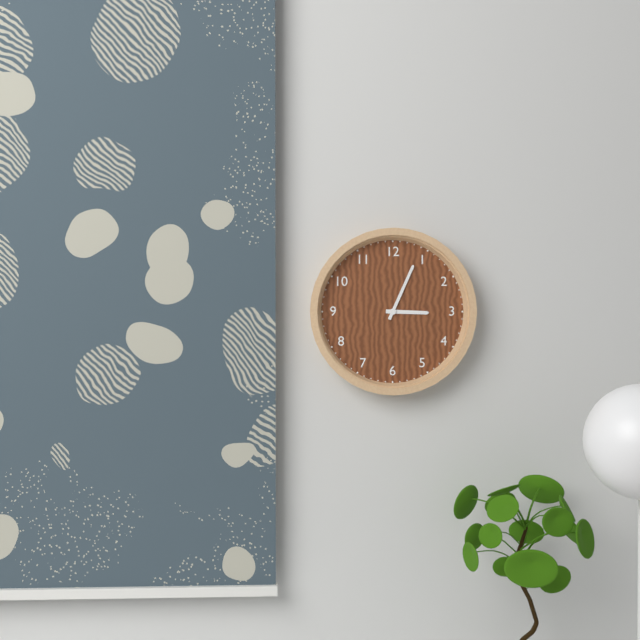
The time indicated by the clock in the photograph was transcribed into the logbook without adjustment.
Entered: 3:04
